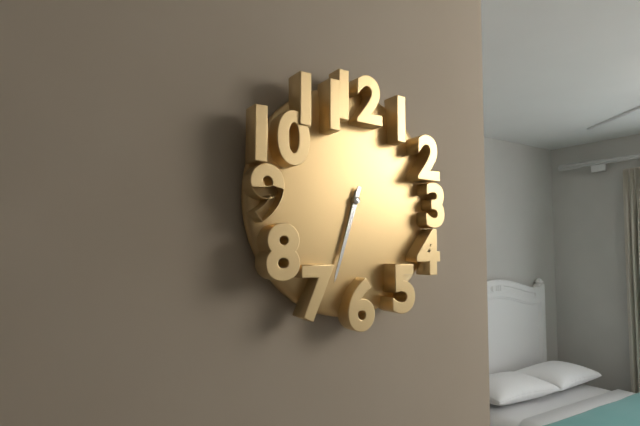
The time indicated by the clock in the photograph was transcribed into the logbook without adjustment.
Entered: 6:33
